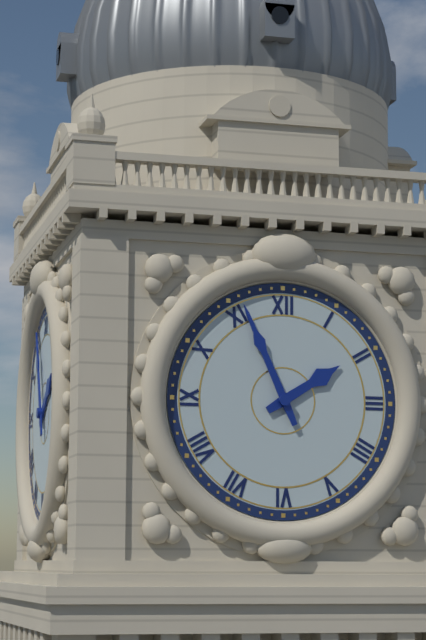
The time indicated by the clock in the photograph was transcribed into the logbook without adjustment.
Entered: 1:56
